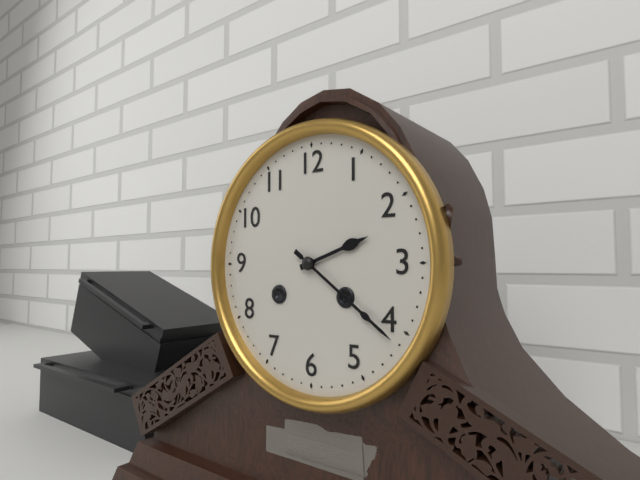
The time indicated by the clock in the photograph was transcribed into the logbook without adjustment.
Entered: 2:21
